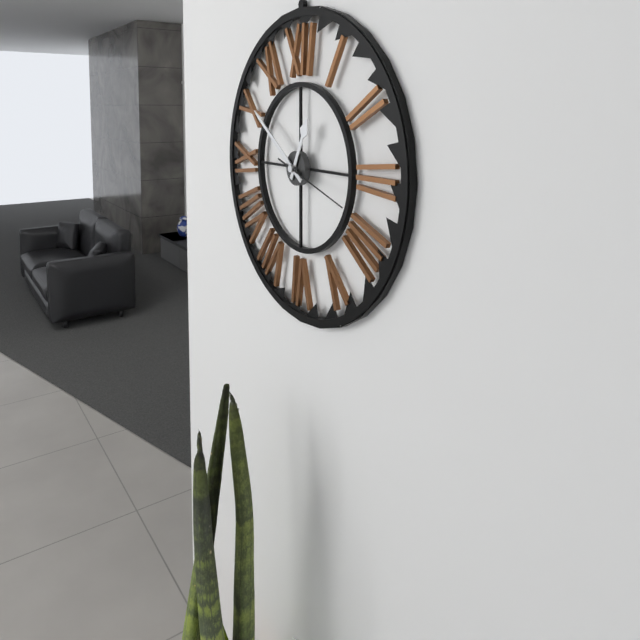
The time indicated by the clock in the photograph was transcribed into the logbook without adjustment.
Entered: 12:51:18
